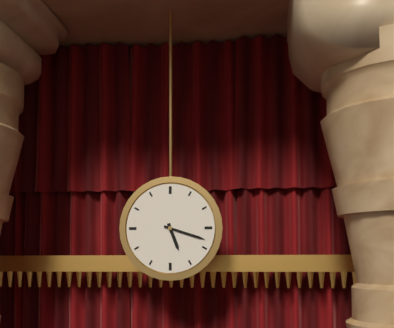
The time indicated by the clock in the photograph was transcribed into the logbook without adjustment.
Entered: 5:18
